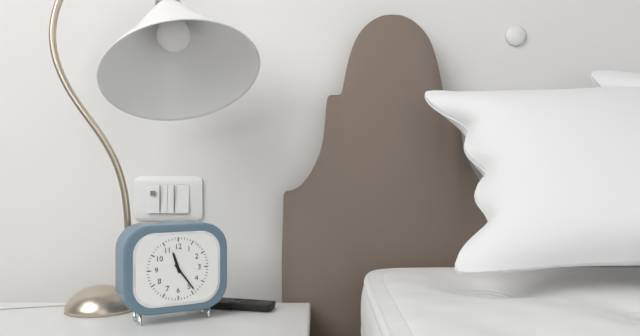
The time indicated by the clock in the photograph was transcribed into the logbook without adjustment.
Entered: 11:24
